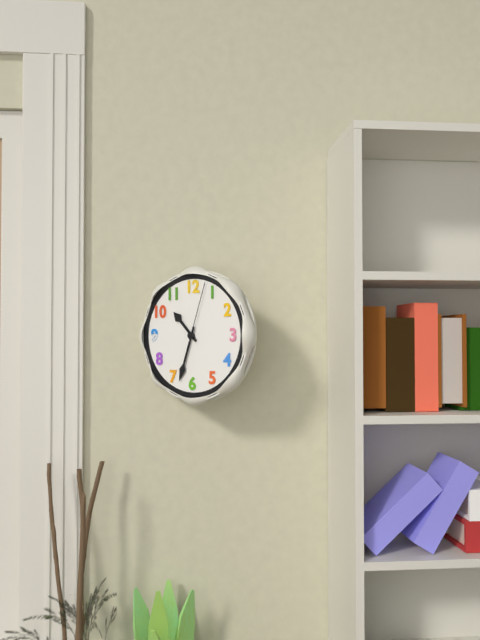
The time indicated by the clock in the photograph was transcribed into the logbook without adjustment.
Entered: 10:33:03
